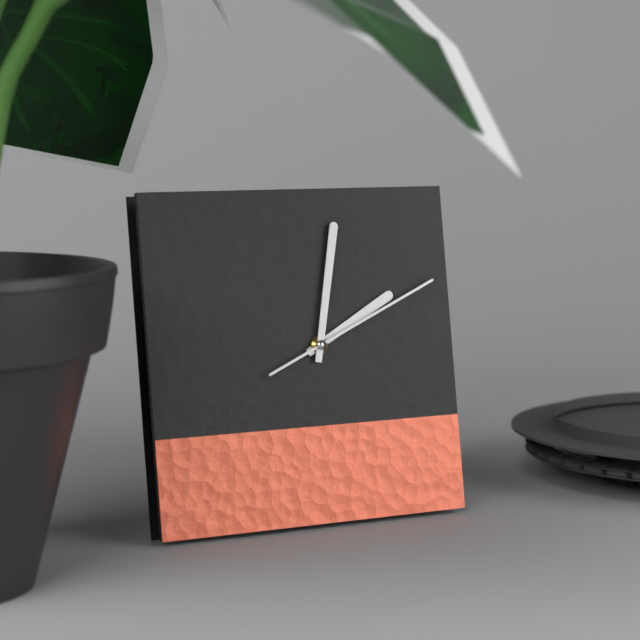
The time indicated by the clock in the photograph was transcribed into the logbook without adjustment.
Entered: 2:02:11
